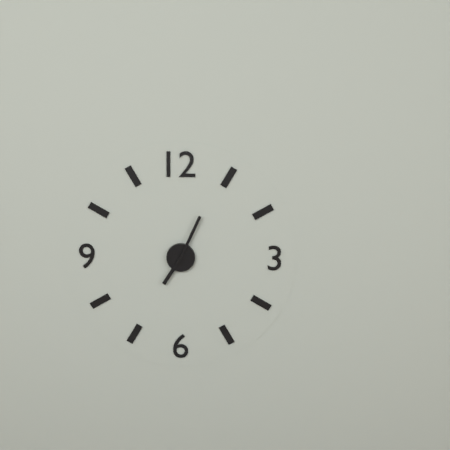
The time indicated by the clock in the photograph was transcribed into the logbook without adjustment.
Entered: 7:04
